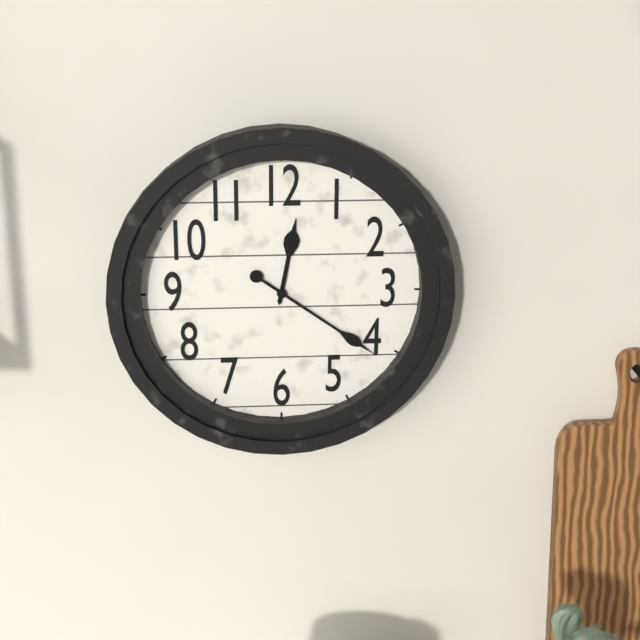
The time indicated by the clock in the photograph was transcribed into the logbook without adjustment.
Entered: 12:21
